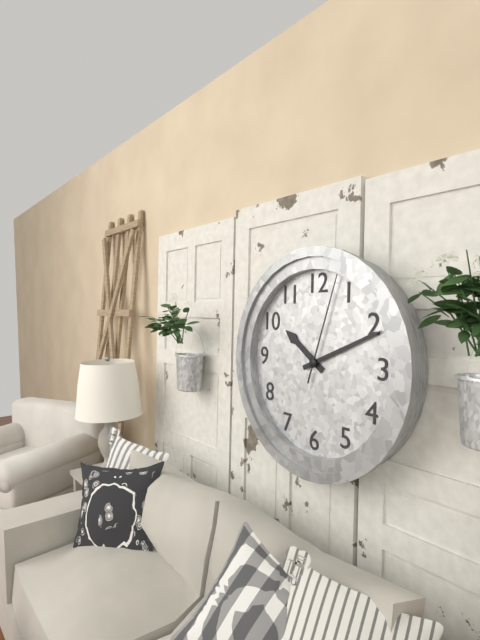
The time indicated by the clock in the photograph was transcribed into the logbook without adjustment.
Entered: 10:11:03
